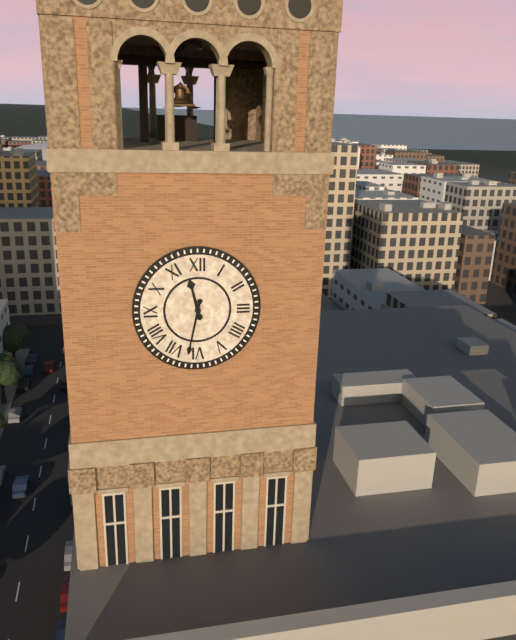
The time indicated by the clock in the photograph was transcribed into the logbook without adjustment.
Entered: 11:32
